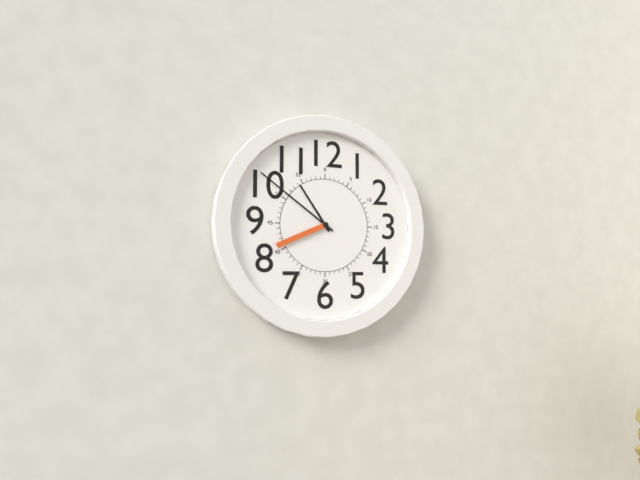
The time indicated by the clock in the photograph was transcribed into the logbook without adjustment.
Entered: 10:51:41
